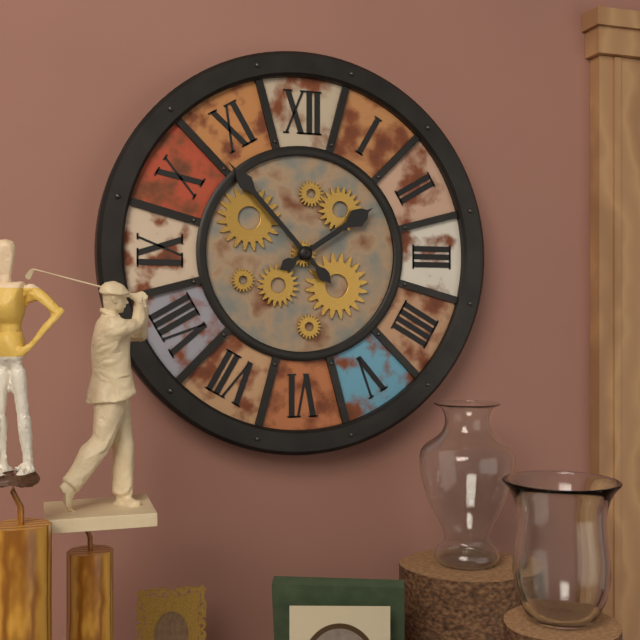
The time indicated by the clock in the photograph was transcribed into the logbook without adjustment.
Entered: 1:53
